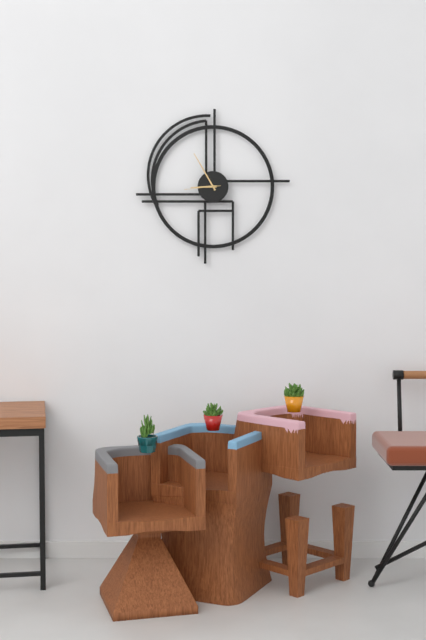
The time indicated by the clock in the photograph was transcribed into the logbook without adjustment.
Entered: 8:55
